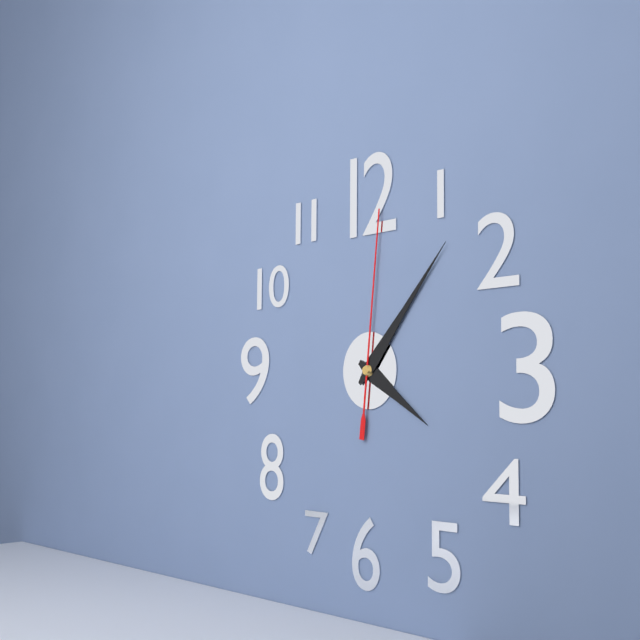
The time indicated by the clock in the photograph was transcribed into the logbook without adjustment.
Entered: 4:07:01
